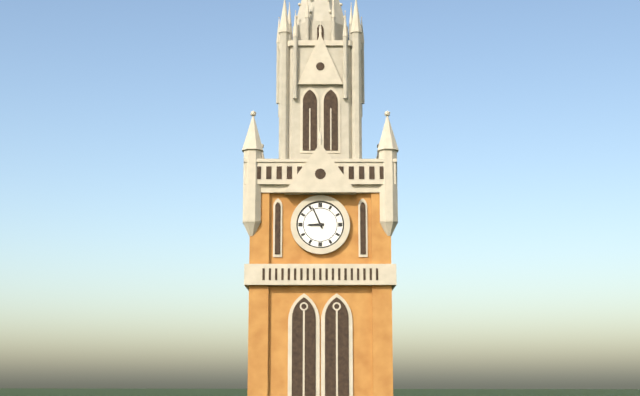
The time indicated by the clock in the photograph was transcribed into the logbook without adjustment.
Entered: 8:56
